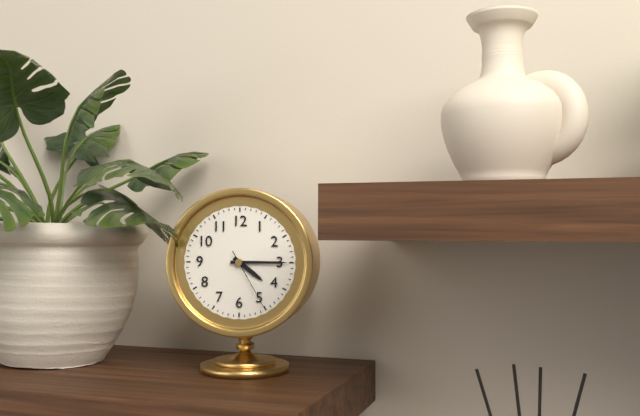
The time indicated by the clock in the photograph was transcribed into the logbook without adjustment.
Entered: 4:15:25
